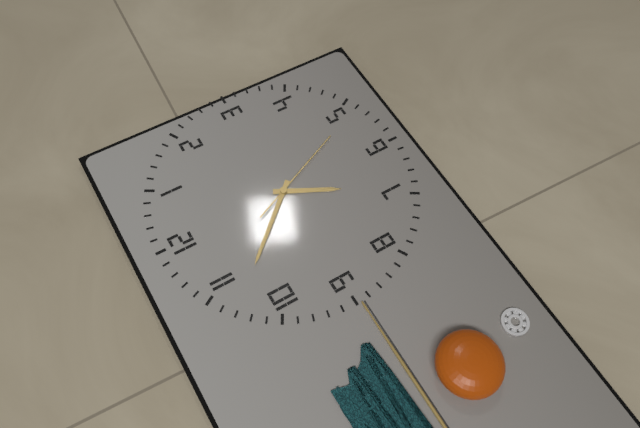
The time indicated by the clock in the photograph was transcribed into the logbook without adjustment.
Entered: 6:53:26
